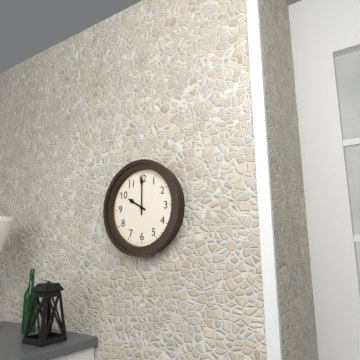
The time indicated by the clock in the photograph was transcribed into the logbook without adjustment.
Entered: 10:00
